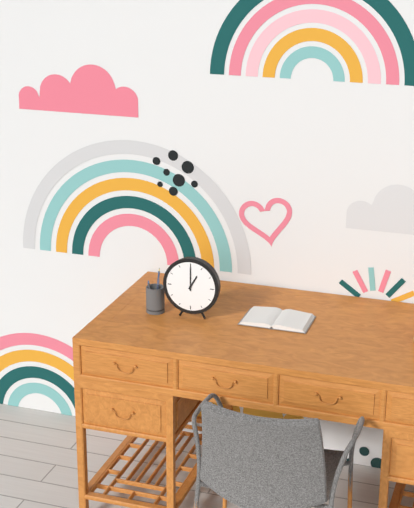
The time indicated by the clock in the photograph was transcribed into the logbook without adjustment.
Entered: 1:00
